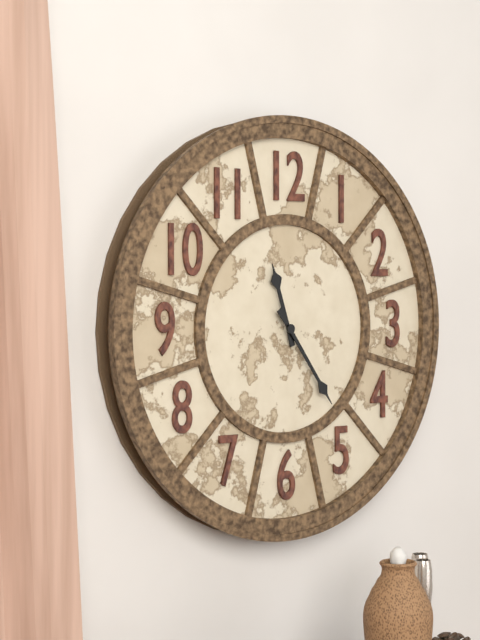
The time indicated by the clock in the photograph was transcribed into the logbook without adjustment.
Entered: 11:24
